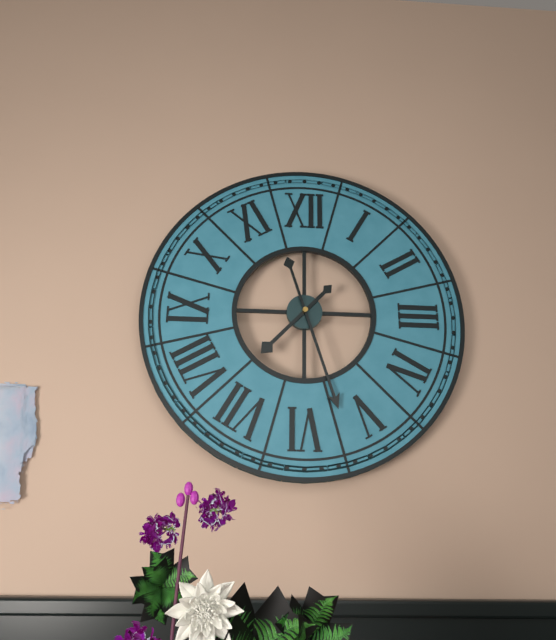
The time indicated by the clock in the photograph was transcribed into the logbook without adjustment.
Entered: 7:27
